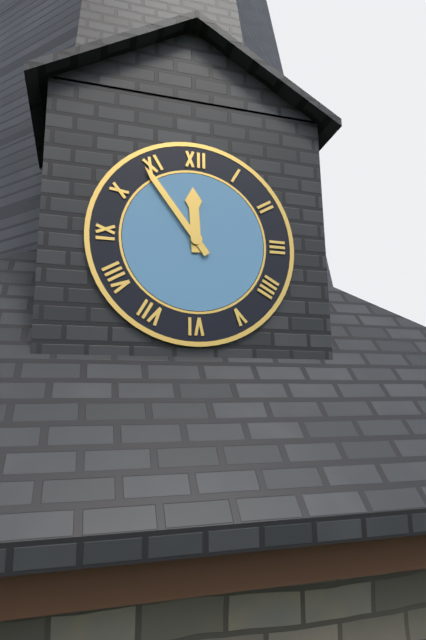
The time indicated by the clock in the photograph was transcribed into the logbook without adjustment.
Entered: 11:54
